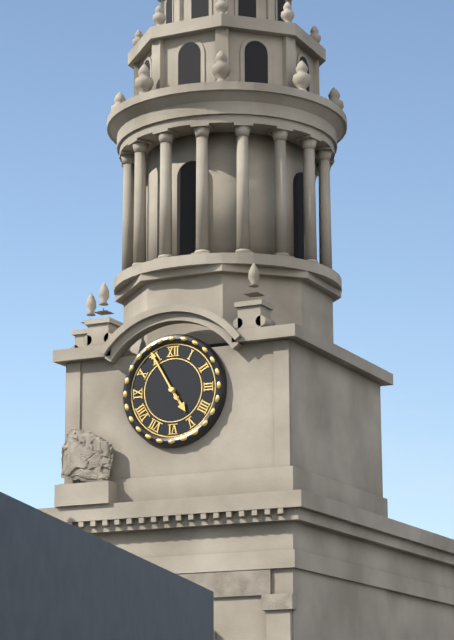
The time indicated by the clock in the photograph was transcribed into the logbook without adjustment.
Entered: 4:55
